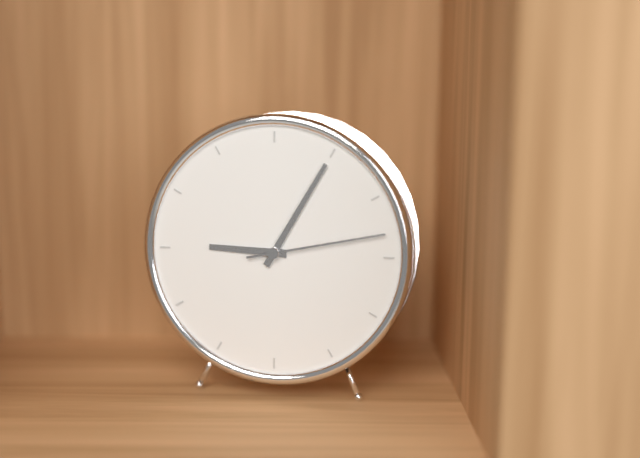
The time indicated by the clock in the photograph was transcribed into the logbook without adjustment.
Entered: 9:05:13
